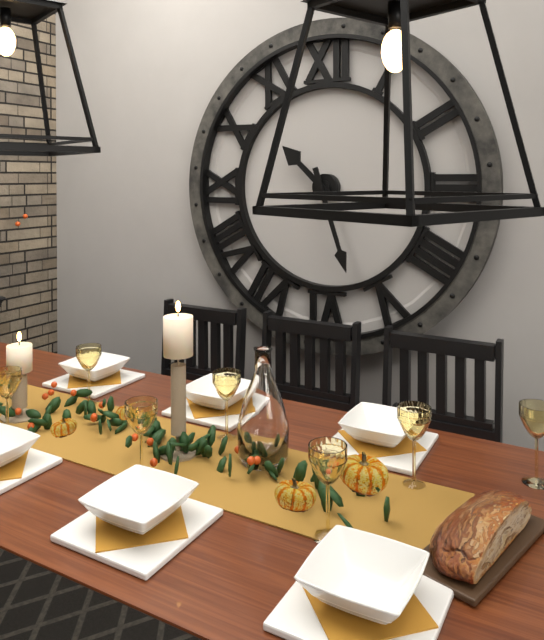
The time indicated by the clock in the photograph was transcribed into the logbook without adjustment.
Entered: 10:27
